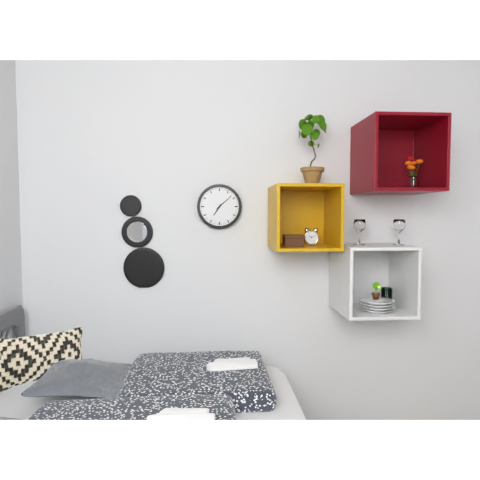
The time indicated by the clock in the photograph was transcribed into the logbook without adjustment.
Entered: 7:08
